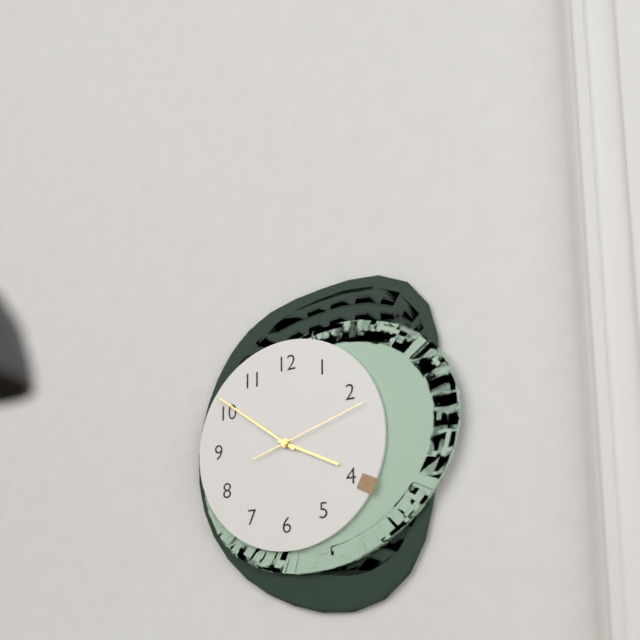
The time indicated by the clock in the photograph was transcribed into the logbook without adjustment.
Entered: 3:51:12
